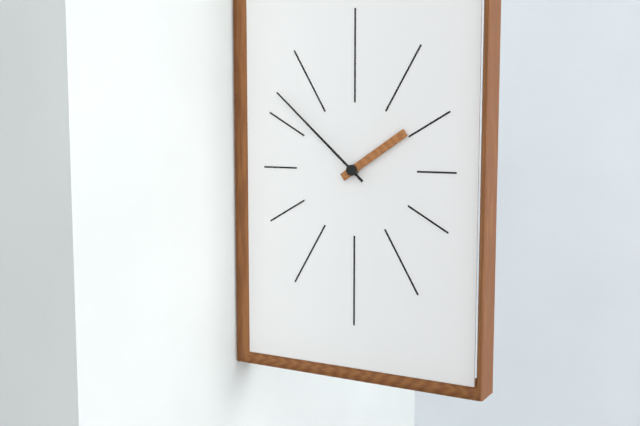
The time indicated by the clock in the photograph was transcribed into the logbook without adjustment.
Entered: 1:52
